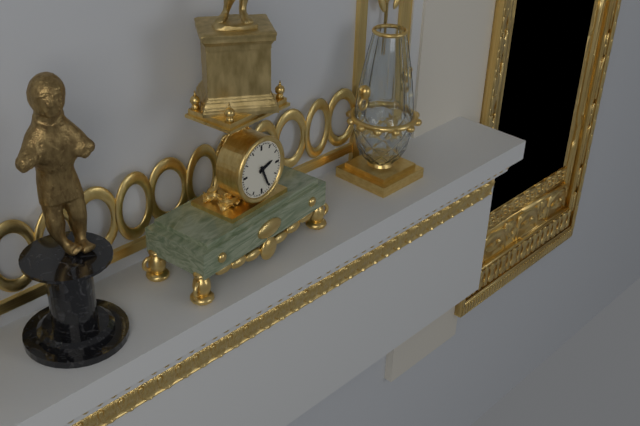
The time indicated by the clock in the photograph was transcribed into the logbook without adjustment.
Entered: 2:26
